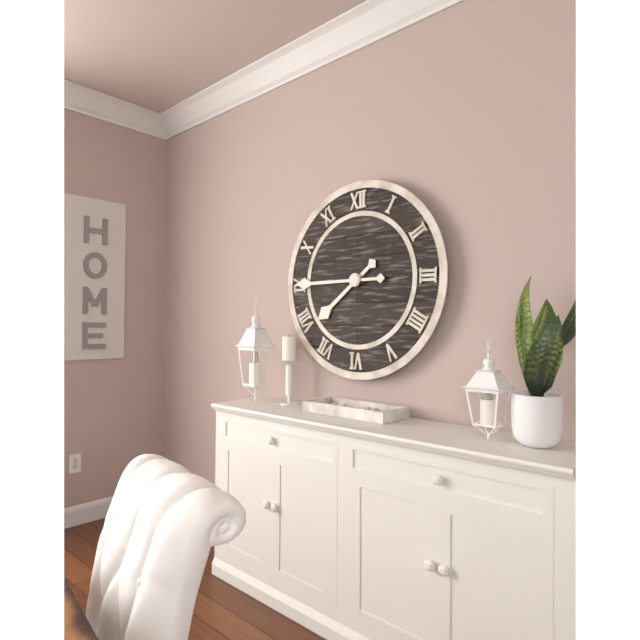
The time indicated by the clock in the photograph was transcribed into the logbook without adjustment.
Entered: 7:45
